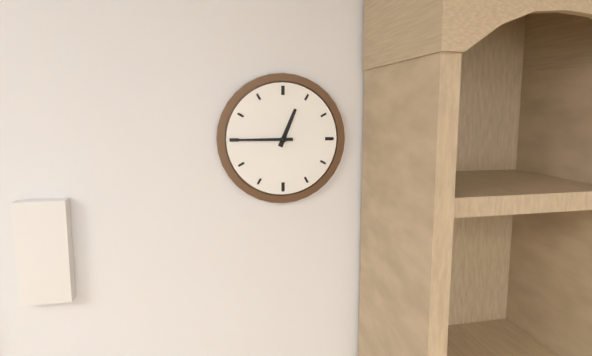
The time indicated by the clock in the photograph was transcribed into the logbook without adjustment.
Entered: 12:45
